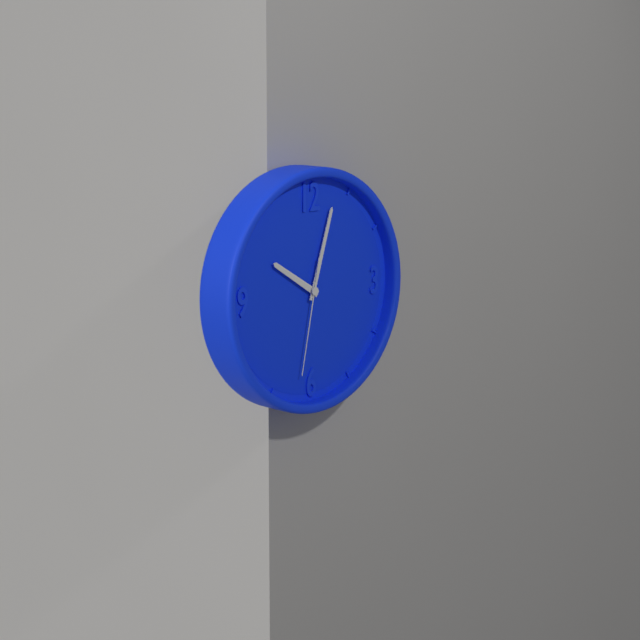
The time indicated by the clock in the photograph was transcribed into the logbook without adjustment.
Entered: 10:03:32
